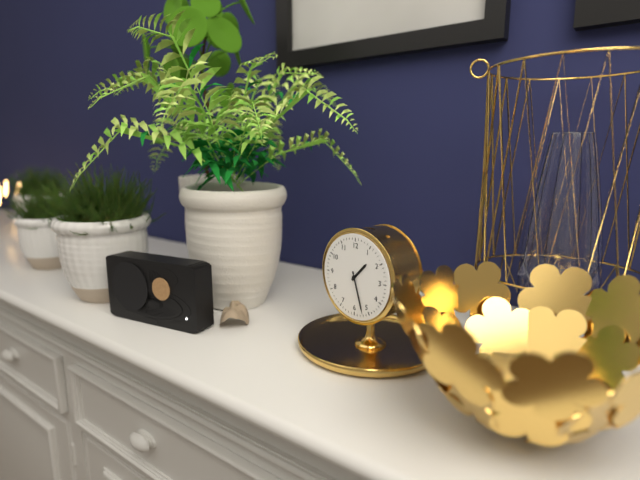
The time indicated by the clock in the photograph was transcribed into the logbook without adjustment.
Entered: 1:27
